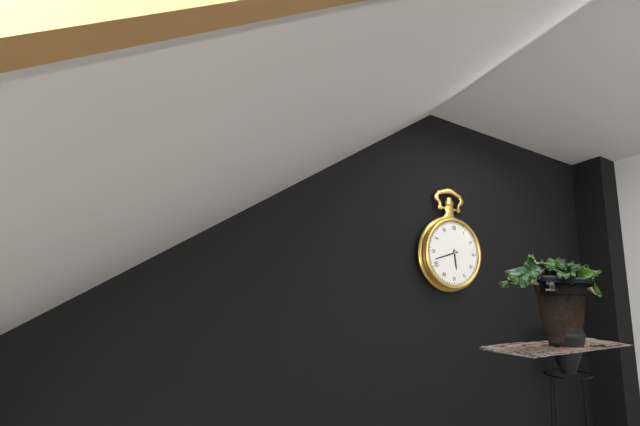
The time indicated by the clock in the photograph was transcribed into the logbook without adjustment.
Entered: 5:42
